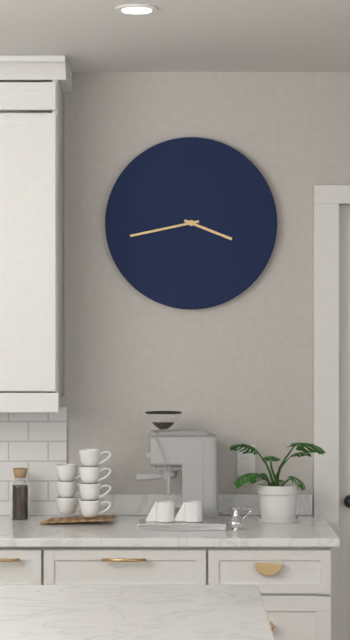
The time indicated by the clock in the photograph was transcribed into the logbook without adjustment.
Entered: 3:43
